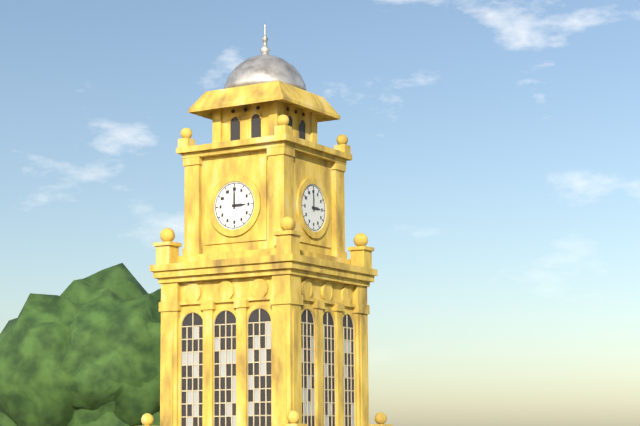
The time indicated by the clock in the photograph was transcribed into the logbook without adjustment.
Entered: 3:00
